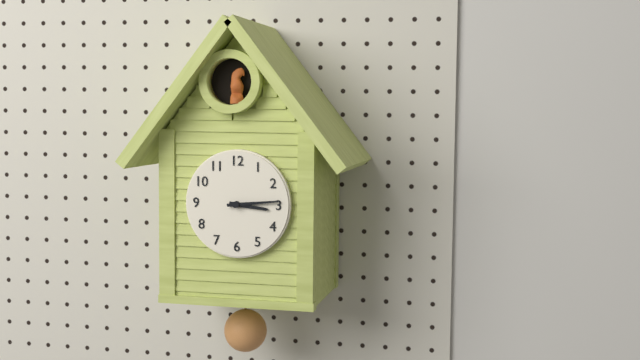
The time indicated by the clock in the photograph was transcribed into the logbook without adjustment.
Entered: 3:14
